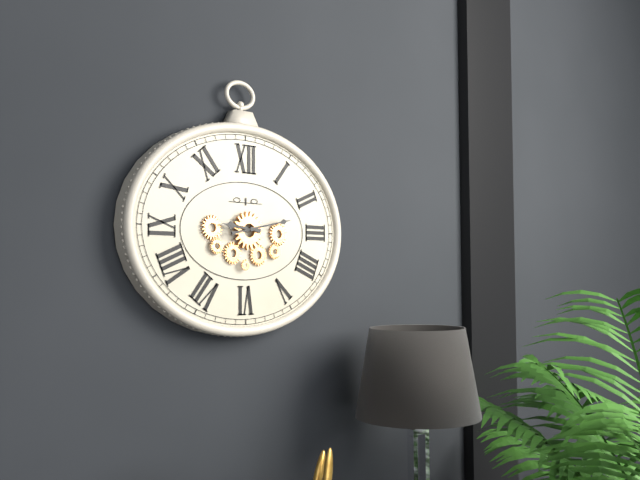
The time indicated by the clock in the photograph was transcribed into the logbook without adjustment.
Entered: 9:13
